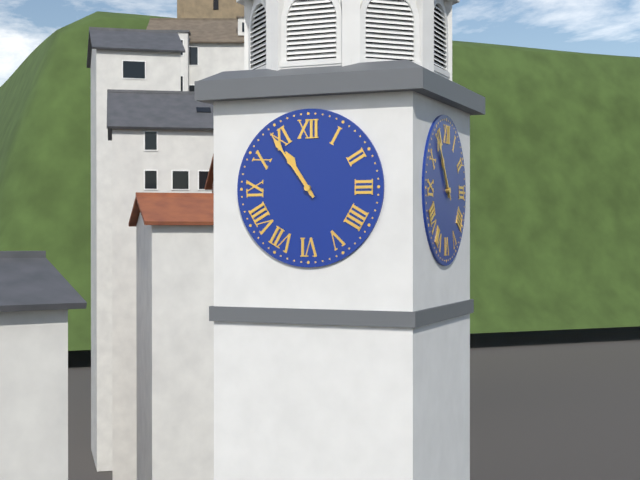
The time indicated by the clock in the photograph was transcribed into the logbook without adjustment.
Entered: 10:54
